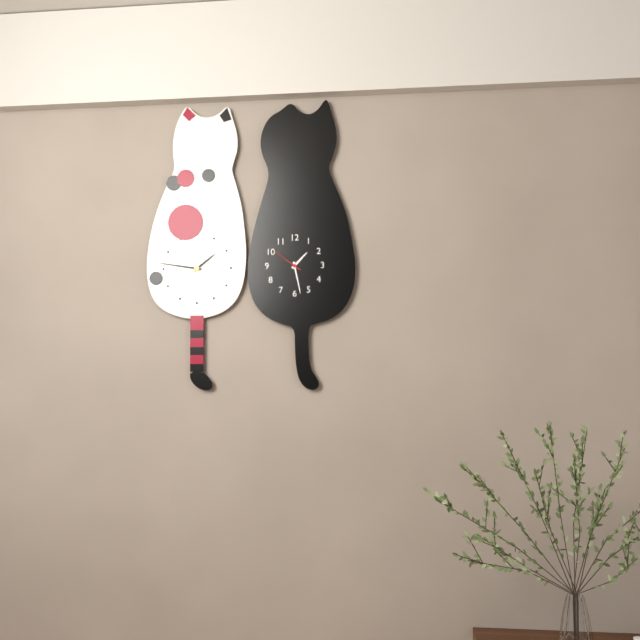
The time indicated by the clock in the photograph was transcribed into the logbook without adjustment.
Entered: 1:28
